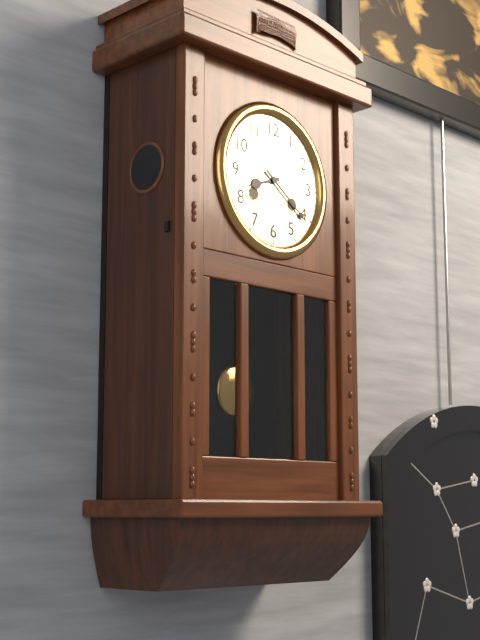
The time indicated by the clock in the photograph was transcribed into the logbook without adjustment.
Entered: 8:21
